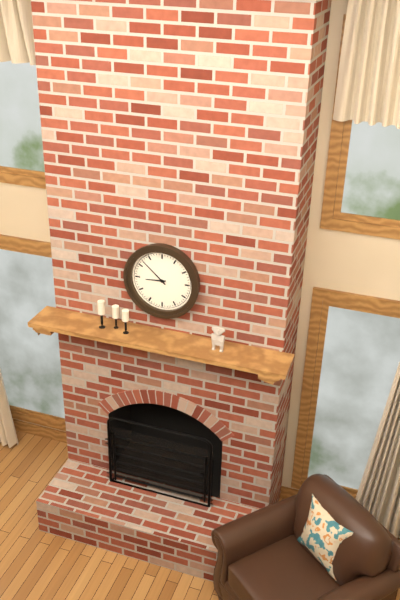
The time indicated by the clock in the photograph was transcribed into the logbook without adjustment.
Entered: 8:52
